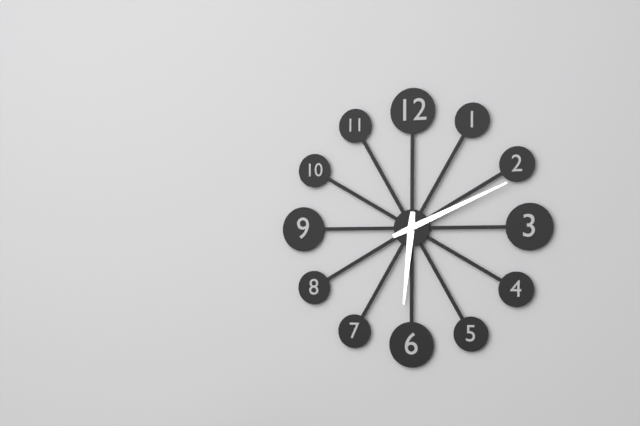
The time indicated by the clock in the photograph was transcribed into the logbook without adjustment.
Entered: 6:11
